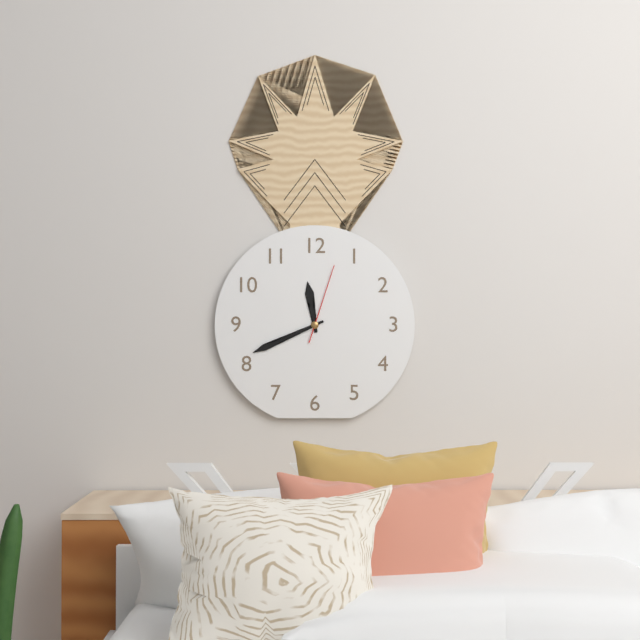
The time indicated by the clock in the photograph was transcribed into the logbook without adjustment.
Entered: 11:41:03
